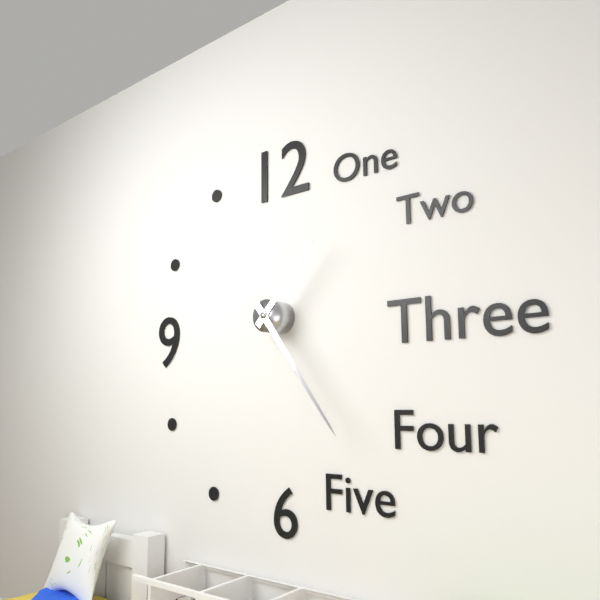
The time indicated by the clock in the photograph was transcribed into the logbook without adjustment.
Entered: 1:24
